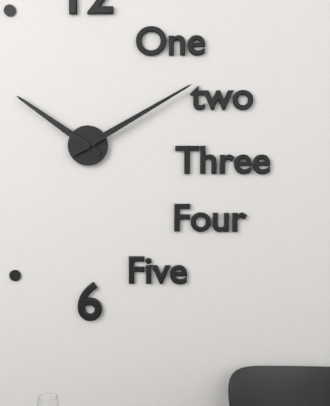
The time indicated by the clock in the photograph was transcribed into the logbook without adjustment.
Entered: 10:10
